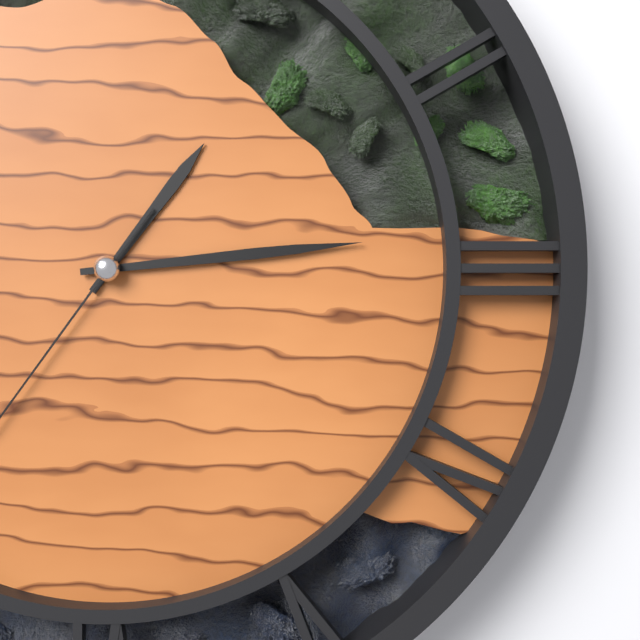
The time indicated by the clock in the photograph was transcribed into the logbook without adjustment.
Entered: 1:14
